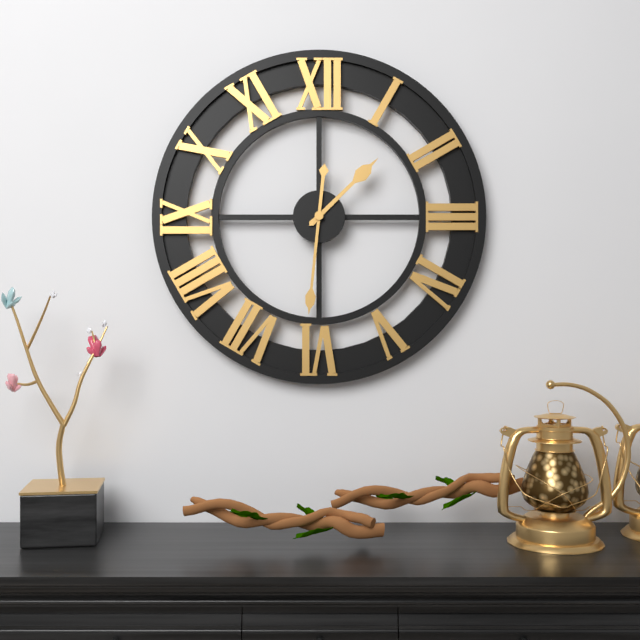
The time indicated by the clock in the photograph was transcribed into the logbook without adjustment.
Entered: 1:31
